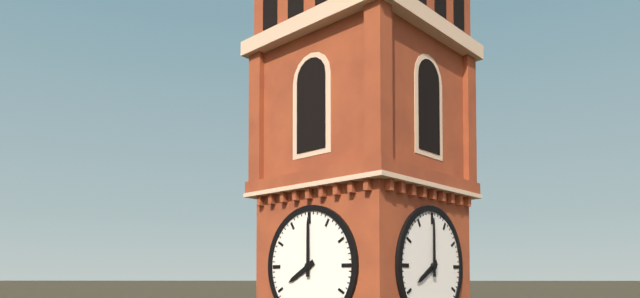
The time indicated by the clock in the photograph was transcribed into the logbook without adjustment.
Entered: 8:00
